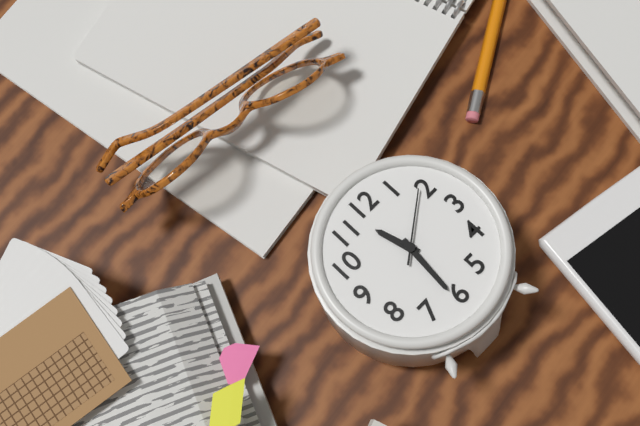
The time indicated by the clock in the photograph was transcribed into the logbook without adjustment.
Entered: 11:31:09
